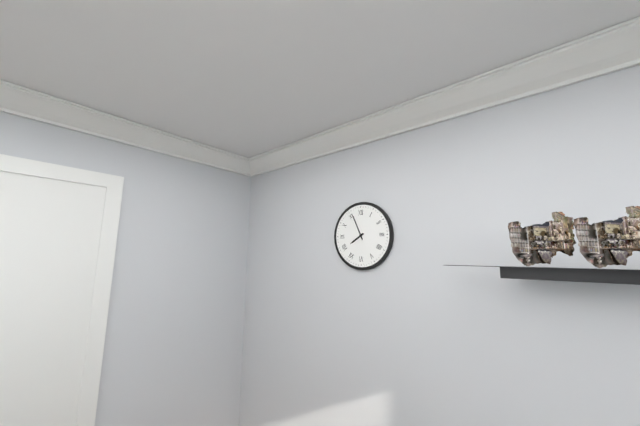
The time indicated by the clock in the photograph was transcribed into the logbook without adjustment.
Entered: 7:56
